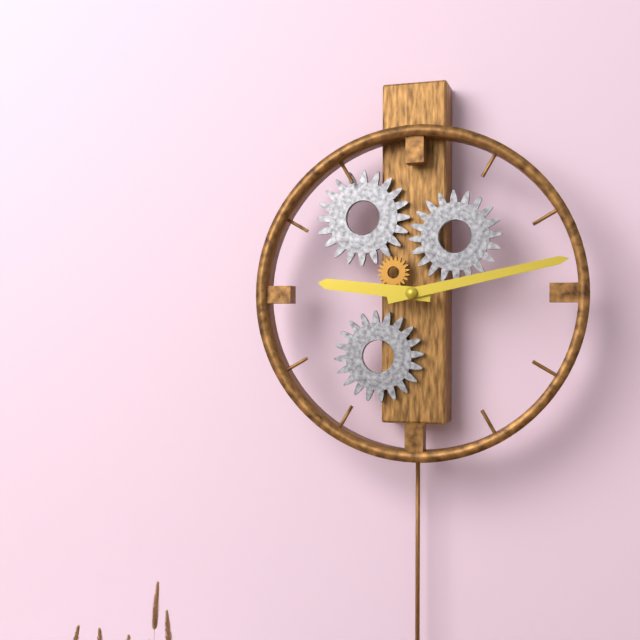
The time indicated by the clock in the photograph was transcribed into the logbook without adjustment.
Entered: 9:13
